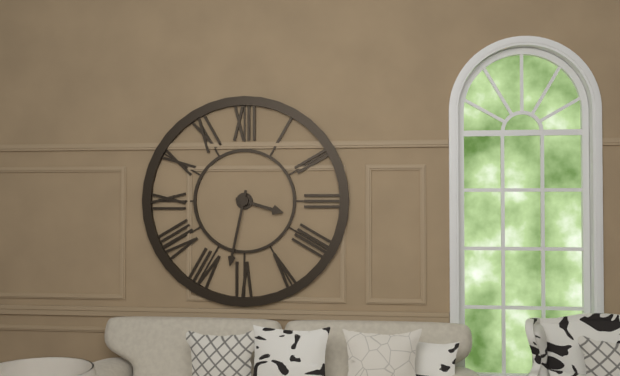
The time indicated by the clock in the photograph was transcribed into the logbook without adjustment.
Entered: 3:32
